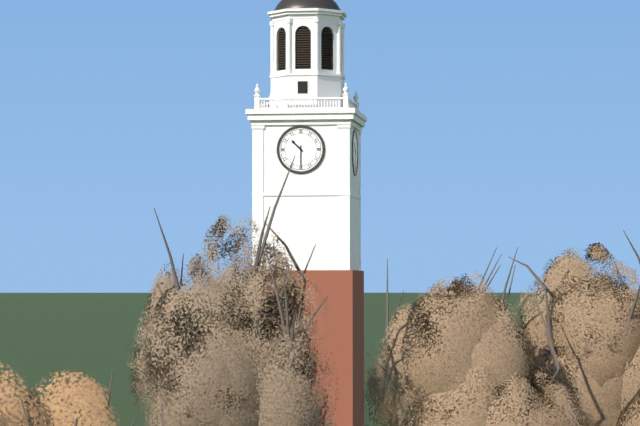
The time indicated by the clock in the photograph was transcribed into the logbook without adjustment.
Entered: 10:30
